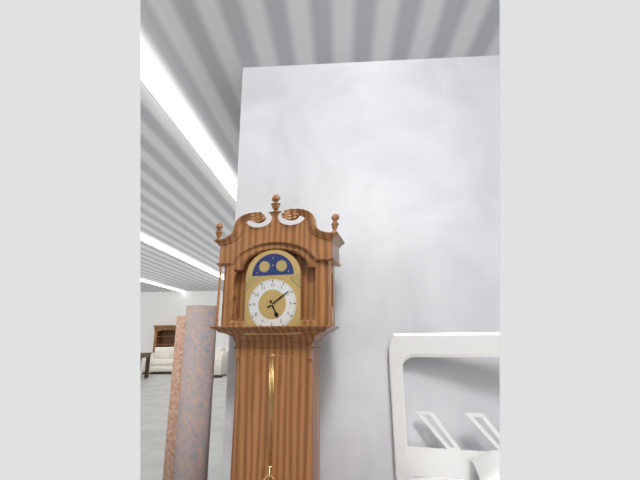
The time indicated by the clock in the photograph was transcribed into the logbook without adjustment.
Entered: 5:09
